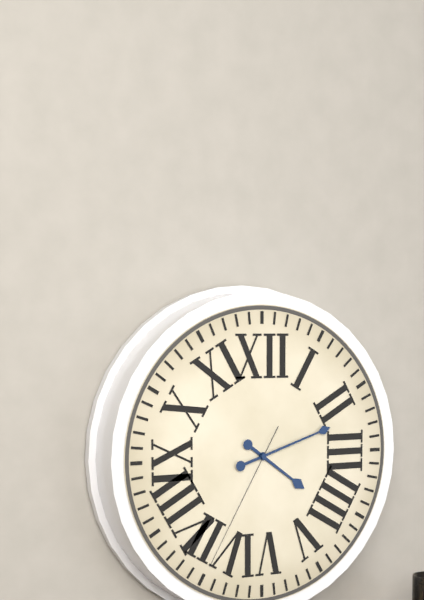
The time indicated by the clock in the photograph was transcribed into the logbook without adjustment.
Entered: 4:12:35
